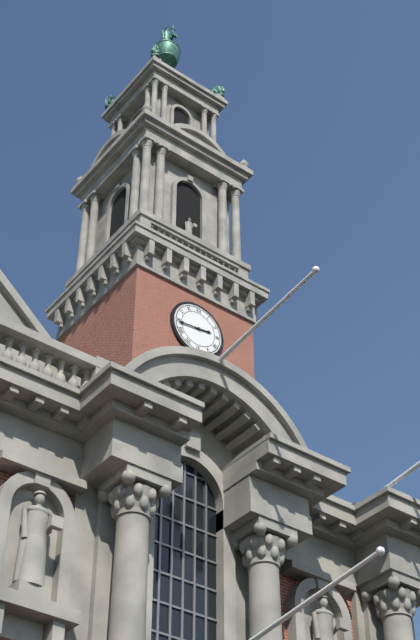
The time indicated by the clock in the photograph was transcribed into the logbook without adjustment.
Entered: 2:44
